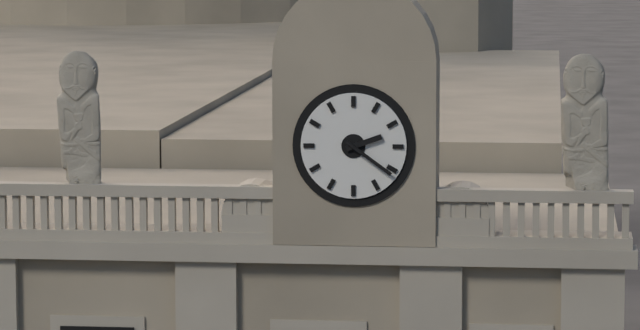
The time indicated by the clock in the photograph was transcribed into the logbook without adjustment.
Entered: 2:21
